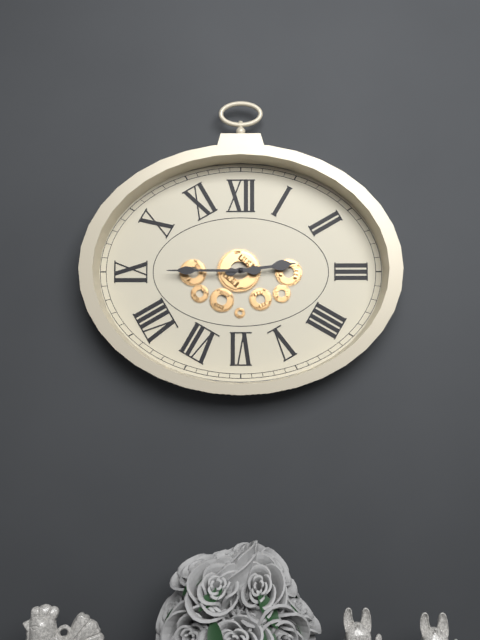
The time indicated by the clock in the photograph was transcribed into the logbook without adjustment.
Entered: 2:45
